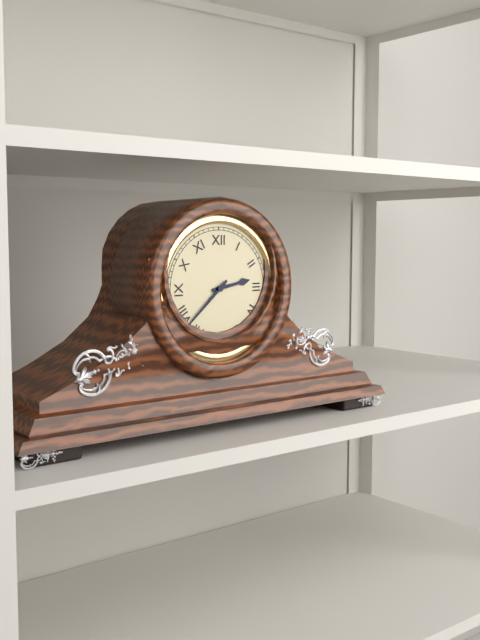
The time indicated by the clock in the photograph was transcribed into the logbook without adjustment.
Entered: 2:38
